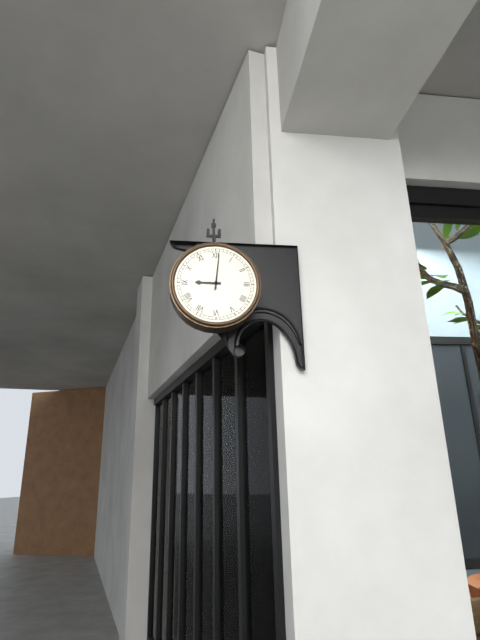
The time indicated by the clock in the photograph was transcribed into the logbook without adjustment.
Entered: 9:01
